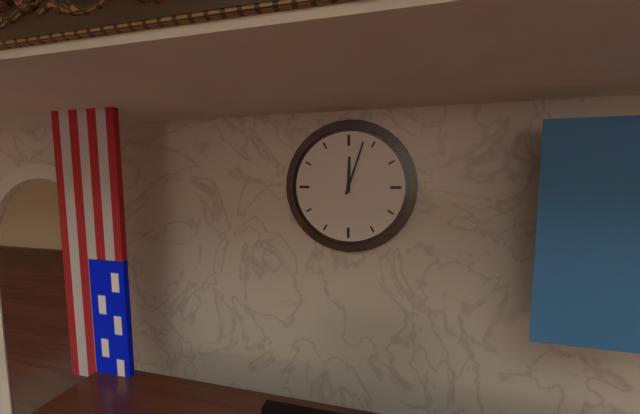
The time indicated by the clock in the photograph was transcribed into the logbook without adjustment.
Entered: 12:03
